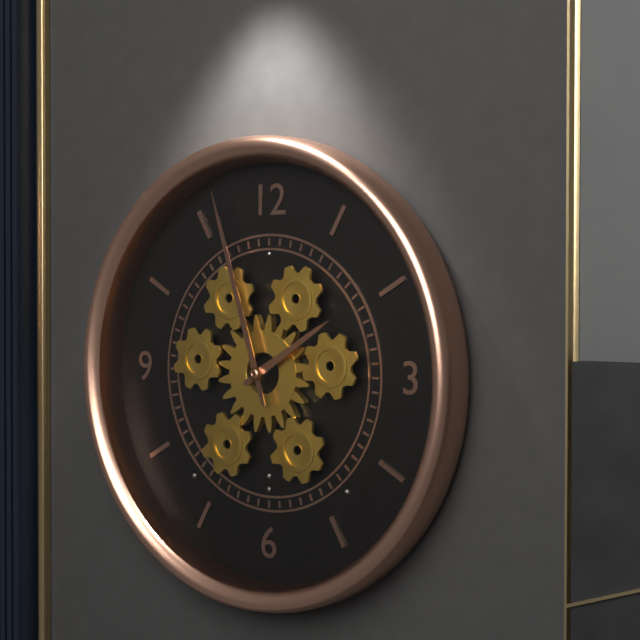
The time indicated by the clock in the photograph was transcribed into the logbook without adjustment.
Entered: 1:57
